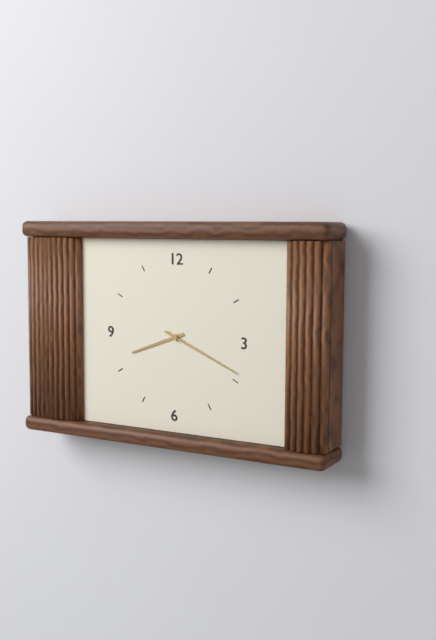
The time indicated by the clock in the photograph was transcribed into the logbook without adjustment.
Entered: 8:19
